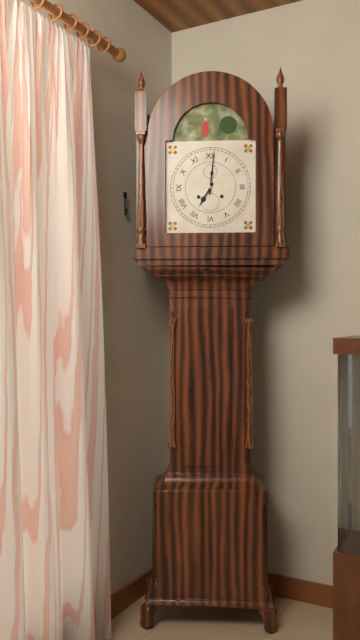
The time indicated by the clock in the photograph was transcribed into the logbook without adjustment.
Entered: 7:01
